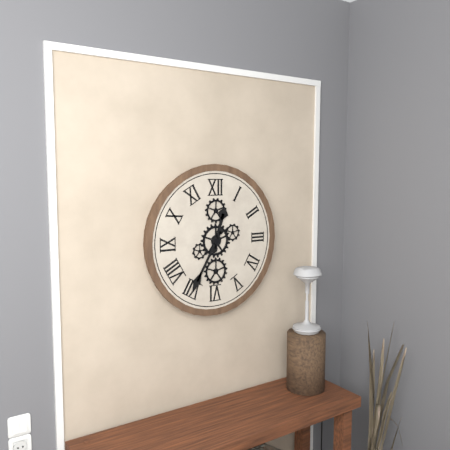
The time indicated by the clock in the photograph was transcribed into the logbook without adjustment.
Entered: 12:35
